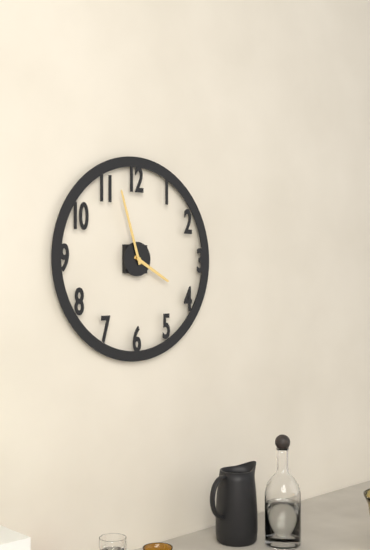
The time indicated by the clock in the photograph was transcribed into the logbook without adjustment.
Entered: 3:57
